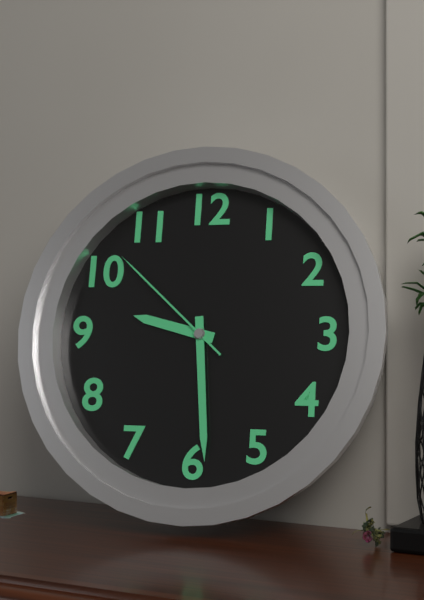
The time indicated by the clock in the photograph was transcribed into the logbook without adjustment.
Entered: 9:29:52
